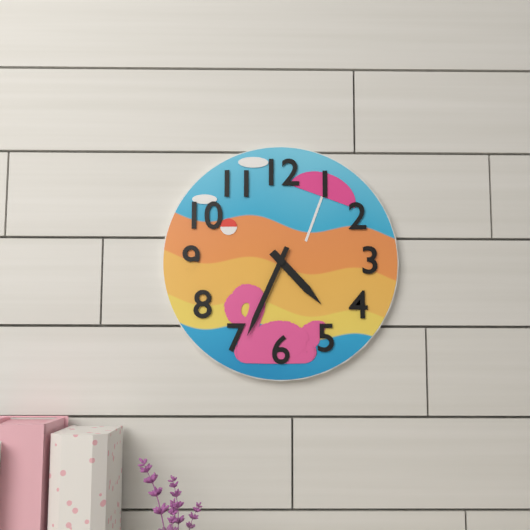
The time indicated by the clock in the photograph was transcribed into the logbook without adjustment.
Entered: 4:34
